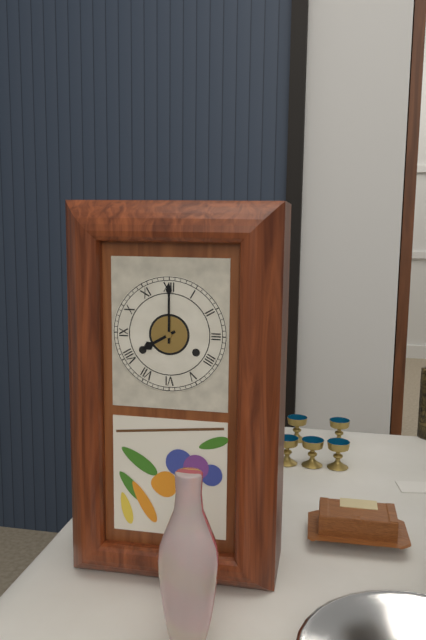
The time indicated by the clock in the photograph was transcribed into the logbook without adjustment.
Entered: 8:00
